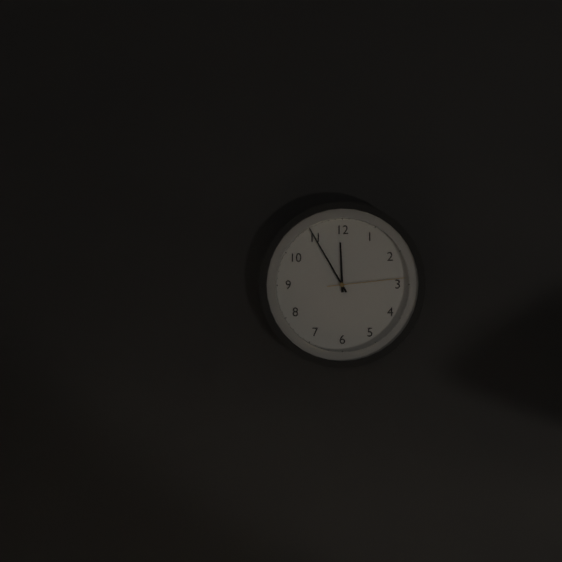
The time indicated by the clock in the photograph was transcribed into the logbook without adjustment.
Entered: 11:55:14
